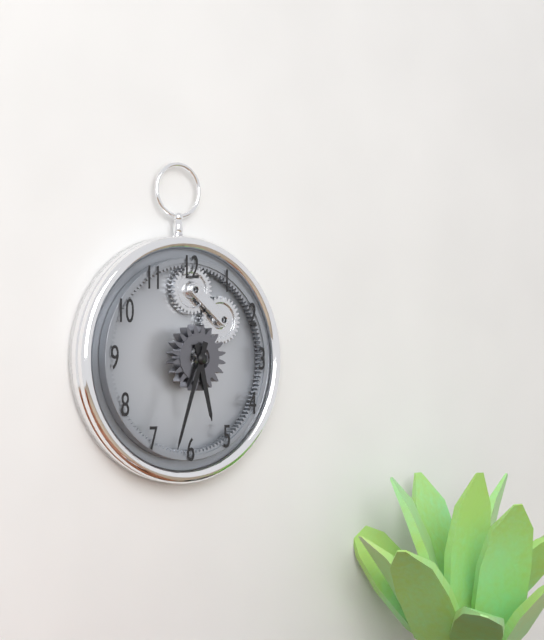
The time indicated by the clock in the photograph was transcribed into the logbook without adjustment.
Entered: 5:33
